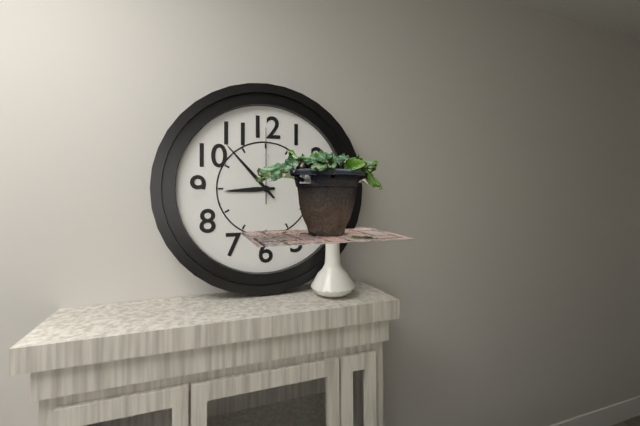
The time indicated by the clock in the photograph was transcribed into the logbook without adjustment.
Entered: 8:53:00
